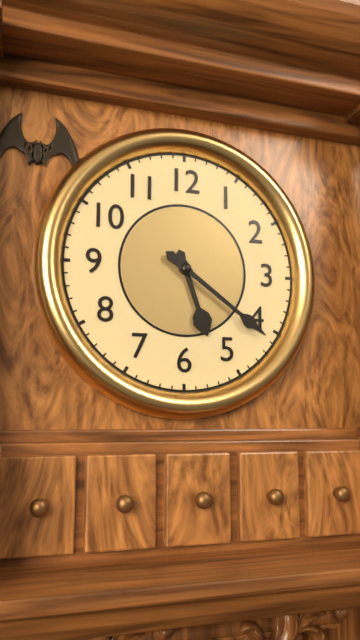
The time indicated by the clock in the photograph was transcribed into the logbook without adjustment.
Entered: 5:21
